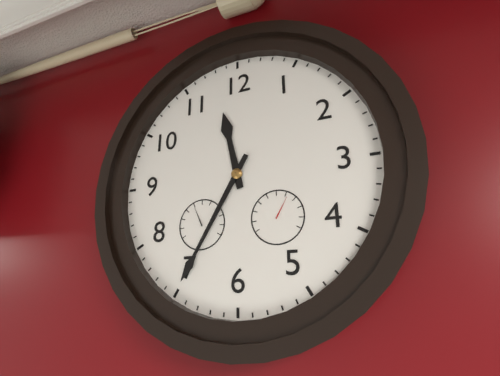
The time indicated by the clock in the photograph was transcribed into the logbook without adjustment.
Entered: 11:35
